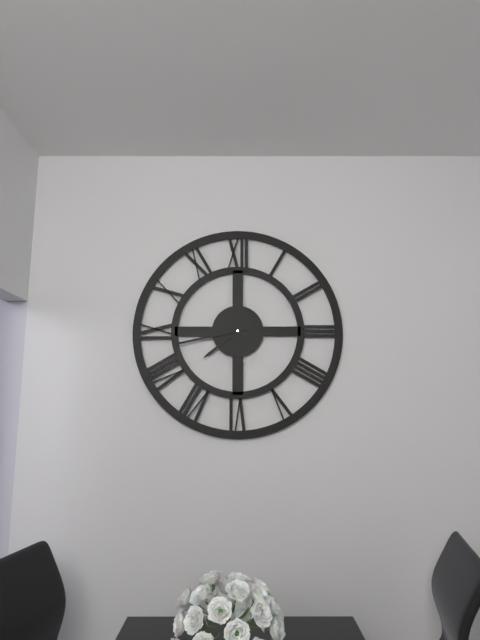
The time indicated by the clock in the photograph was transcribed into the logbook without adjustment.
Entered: 7:43
